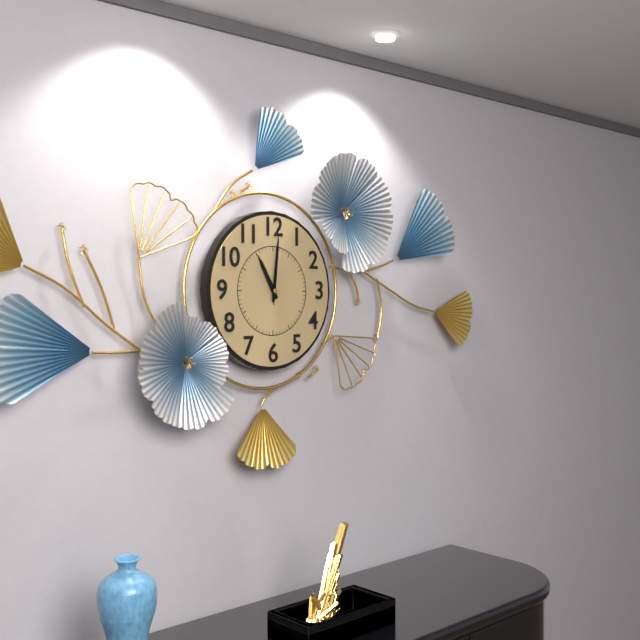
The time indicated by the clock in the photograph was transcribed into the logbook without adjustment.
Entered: 11:01:01
